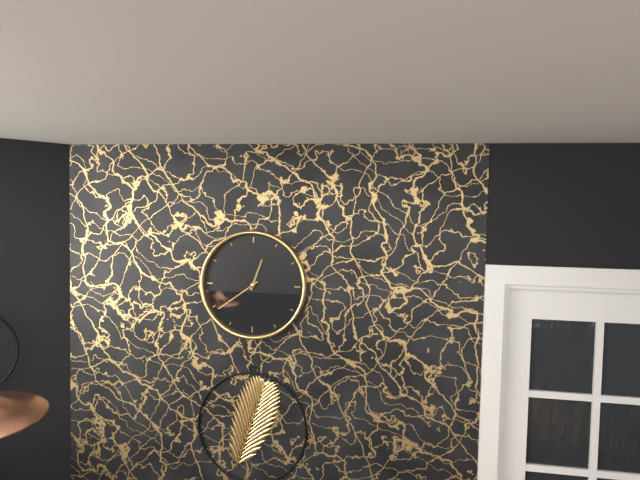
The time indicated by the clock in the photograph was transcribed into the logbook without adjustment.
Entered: 12:39
